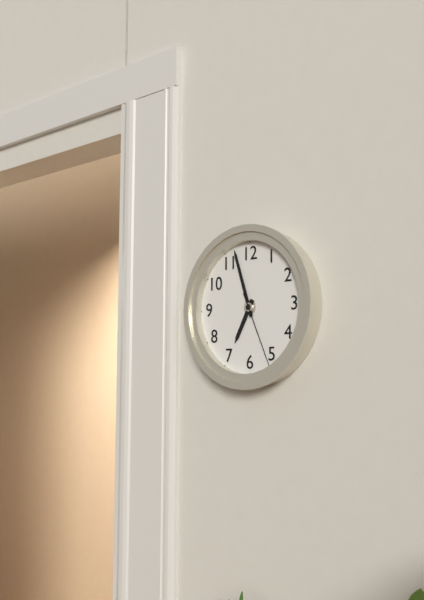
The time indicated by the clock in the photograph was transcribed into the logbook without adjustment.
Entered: 6:57:26
